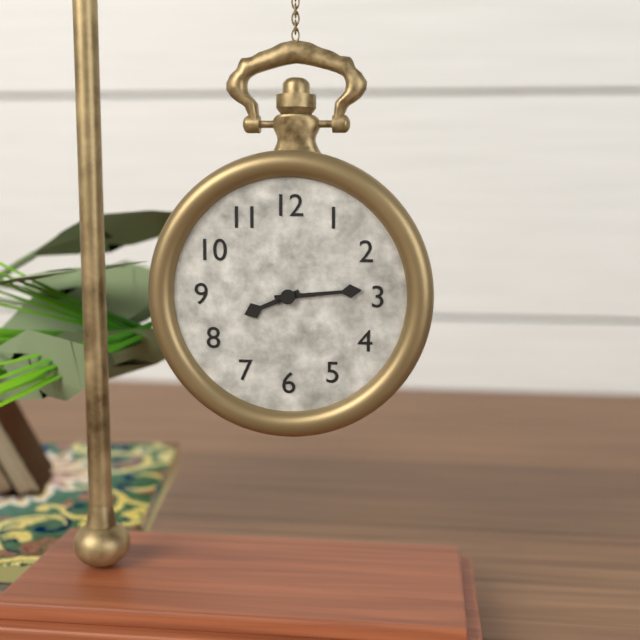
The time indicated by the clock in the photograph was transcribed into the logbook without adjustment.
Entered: 8:14
